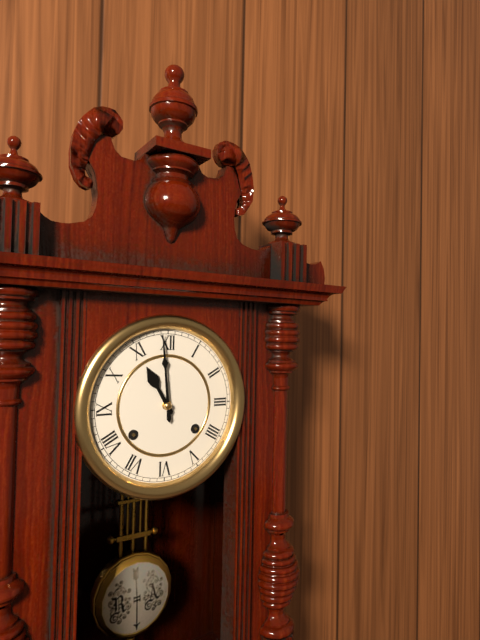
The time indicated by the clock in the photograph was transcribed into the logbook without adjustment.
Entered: 10:59
